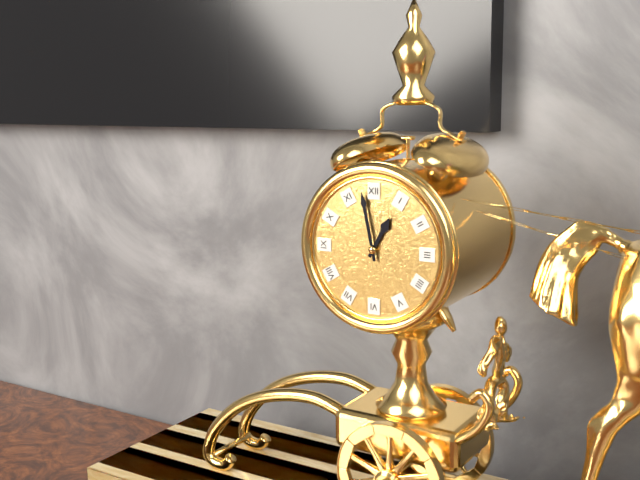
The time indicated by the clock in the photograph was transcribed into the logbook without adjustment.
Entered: 12:58
